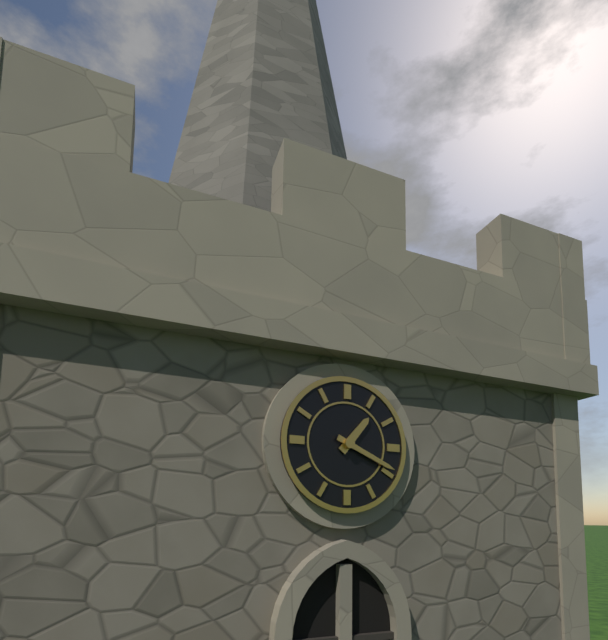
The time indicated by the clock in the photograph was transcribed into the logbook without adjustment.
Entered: 1:19
